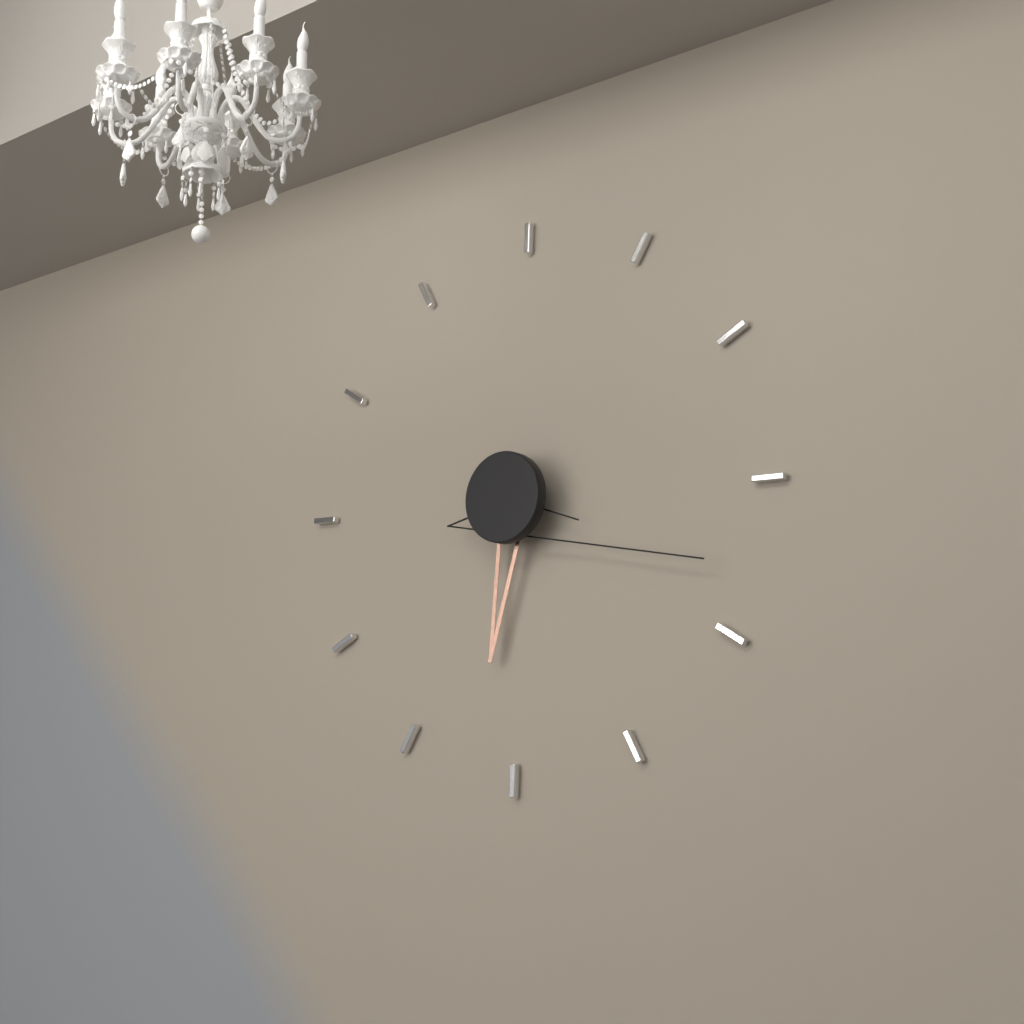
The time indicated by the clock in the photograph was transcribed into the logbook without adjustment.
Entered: 6:18
